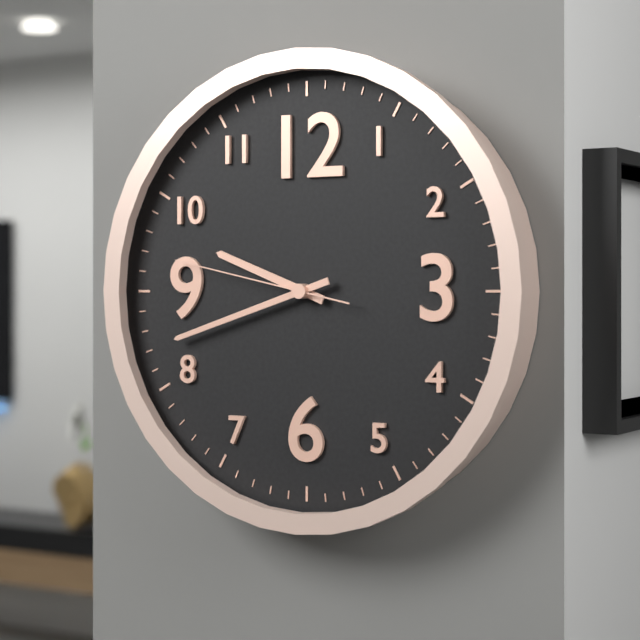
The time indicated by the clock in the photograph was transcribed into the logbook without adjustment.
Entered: 9:42:47
